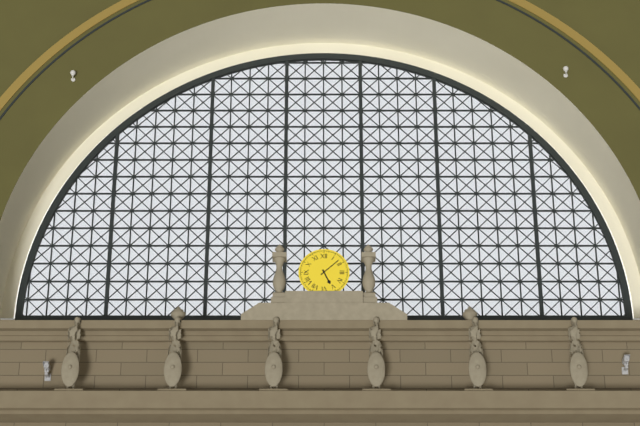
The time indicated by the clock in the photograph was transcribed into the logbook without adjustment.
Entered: 5:08
